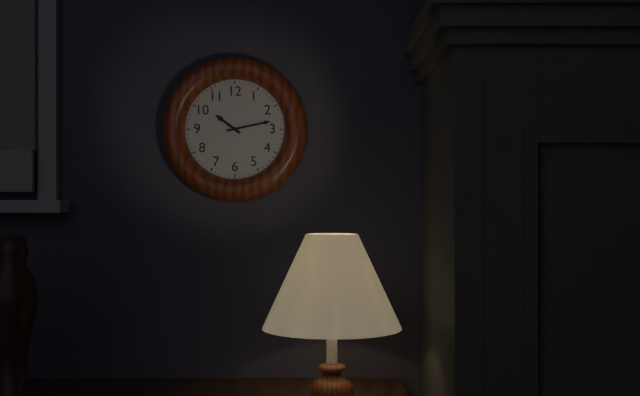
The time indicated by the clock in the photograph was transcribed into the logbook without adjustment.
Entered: 10:13
